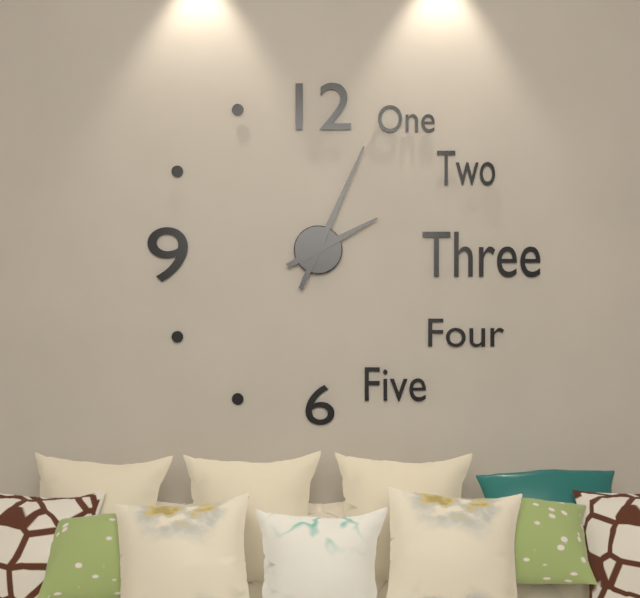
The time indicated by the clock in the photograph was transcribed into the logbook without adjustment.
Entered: 2:04
